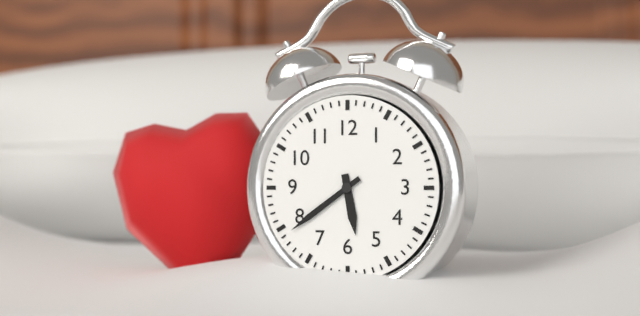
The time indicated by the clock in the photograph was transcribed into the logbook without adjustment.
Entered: 5:39
